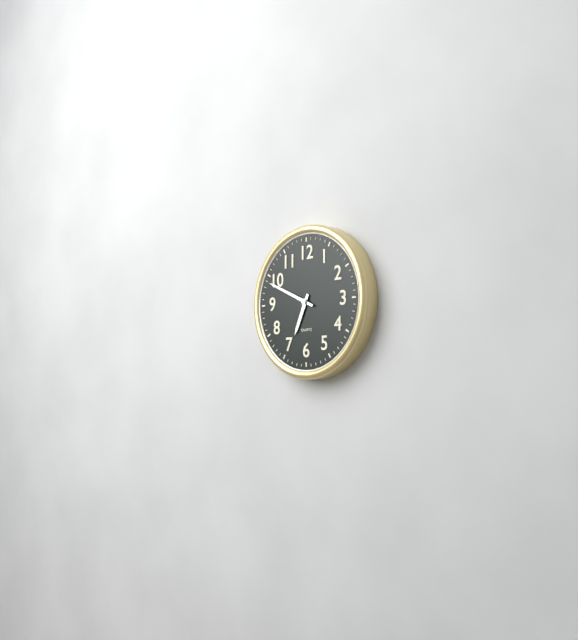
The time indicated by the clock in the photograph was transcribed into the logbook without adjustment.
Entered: 6:49
